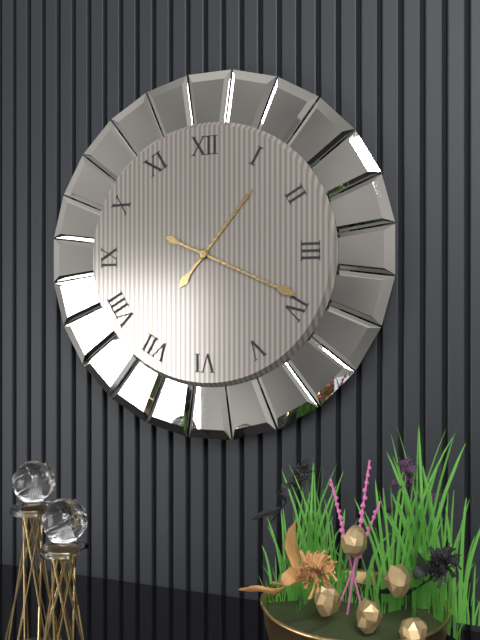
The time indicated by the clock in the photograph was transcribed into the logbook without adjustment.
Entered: 1:19
